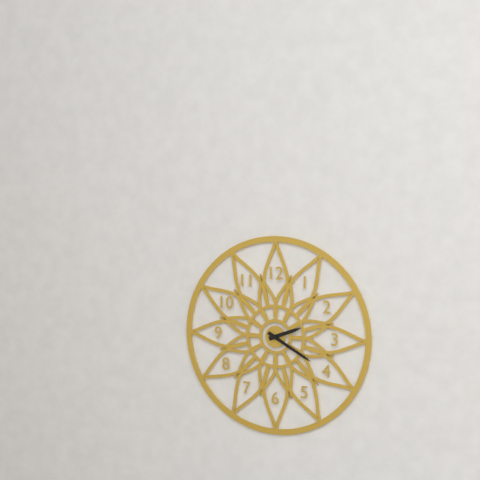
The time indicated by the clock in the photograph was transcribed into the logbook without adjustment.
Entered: 2:20
